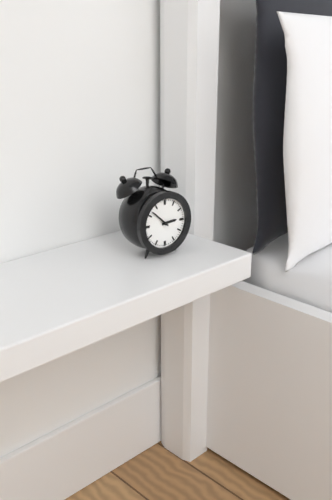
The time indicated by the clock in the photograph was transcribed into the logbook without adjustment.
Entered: 2:52
